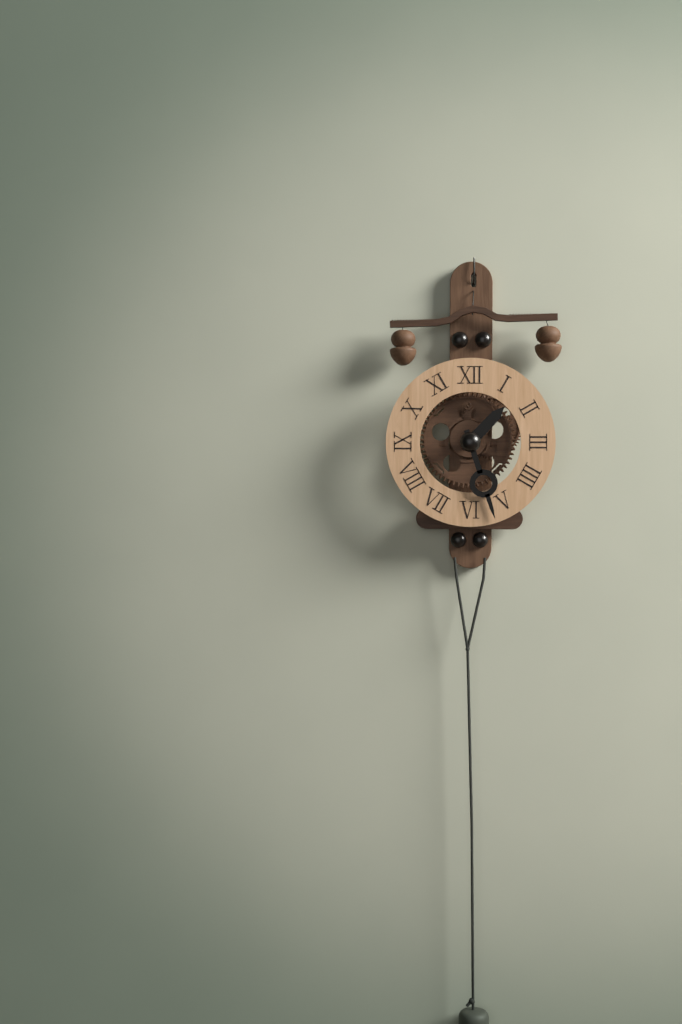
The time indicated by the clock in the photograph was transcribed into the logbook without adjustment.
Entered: 1:27
